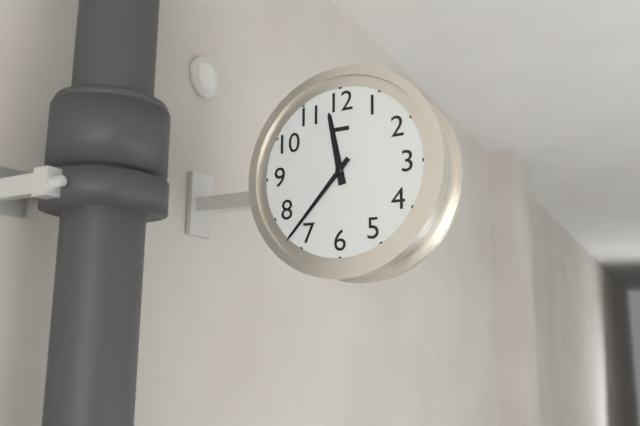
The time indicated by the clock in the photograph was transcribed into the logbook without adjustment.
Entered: 11:37
